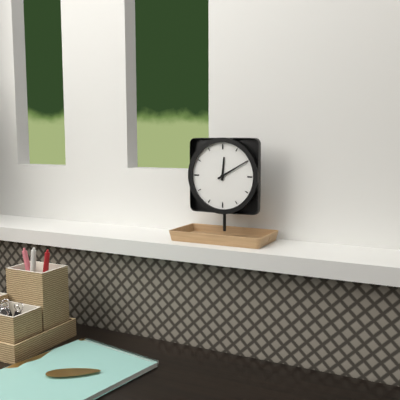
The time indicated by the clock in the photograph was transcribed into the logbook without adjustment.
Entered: 12:10
